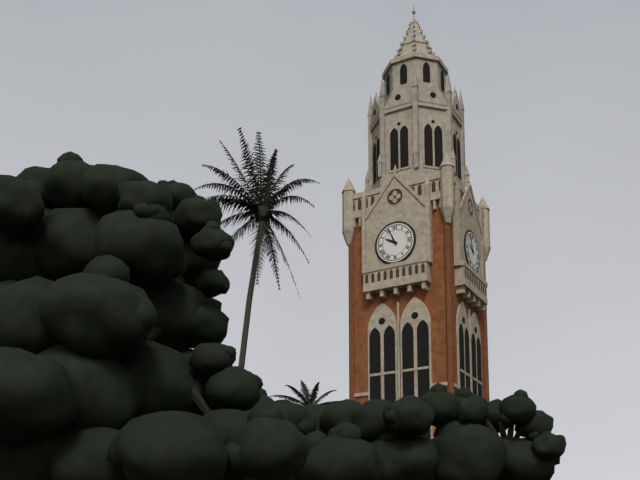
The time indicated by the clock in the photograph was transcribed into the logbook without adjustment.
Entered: 9:56
